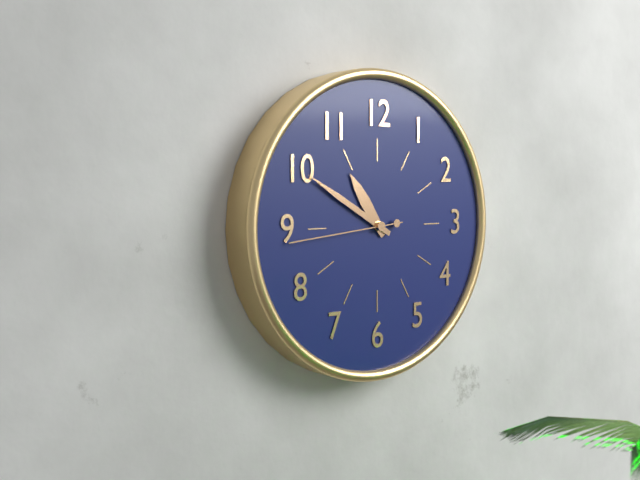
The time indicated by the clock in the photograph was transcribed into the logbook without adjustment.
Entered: 10:50:44
